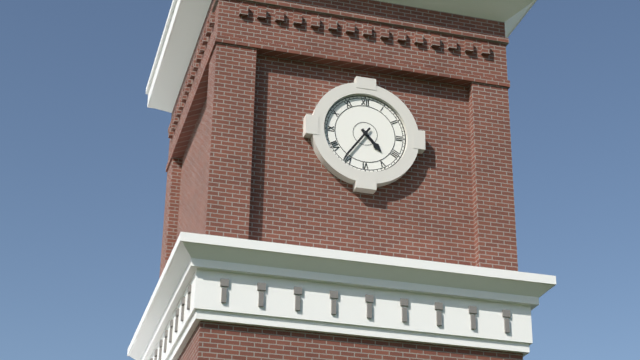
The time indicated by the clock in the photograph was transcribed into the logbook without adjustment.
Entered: 4:36
